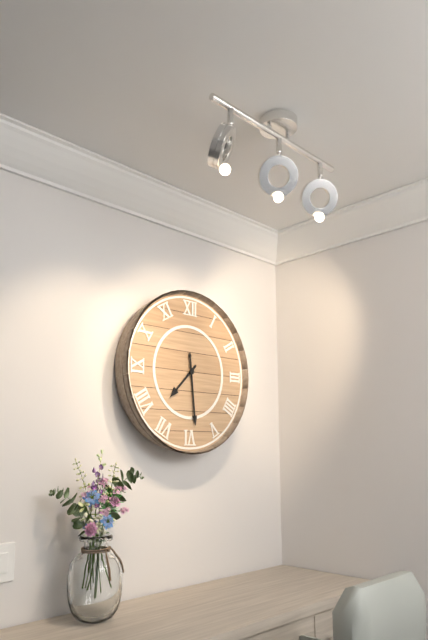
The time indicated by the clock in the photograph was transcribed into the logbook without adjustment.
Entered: 7:29
